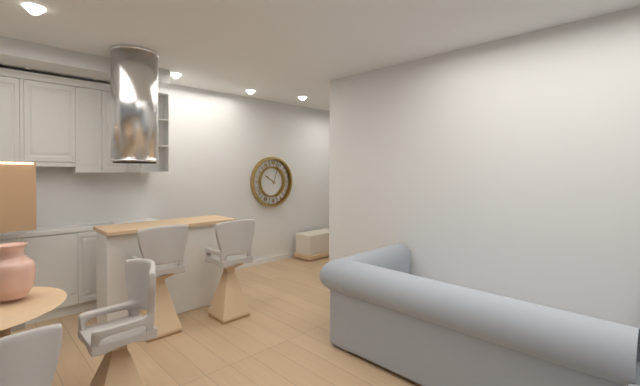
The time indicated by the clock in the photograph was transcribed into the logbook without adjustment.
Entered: 10:03
